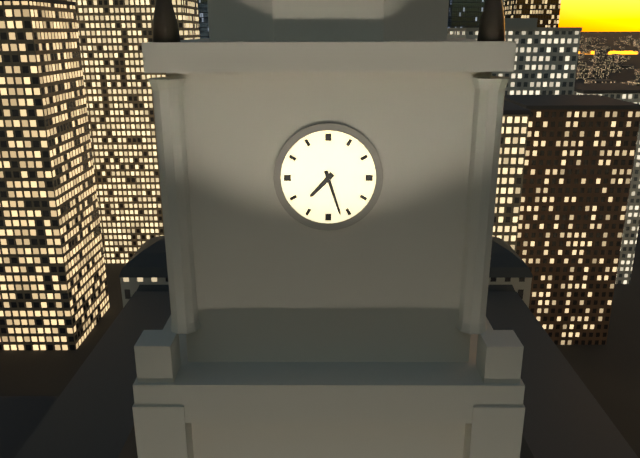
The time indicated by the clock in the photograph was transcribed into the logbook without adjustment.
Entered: 7:27
